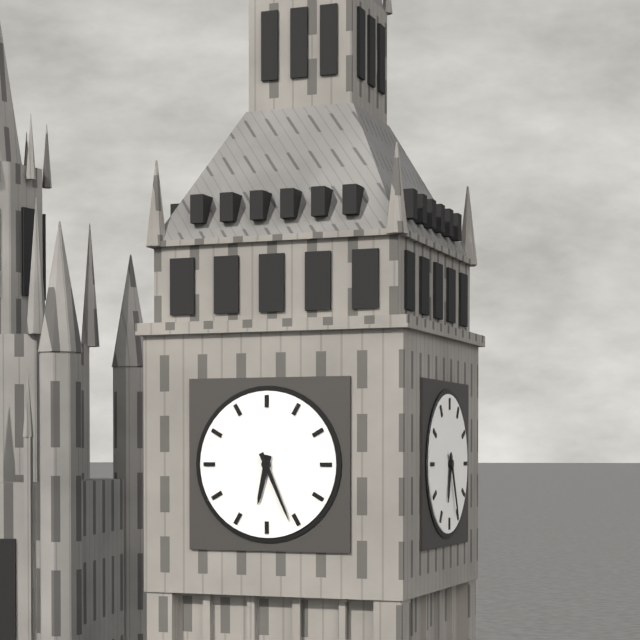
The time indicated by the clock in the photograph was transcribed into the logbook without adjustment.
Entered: 6:26
